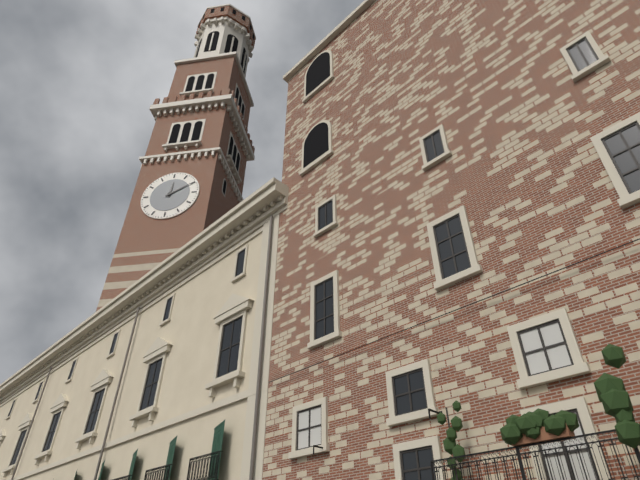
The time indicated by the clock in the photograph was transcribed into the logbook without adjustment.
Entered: 12:10
